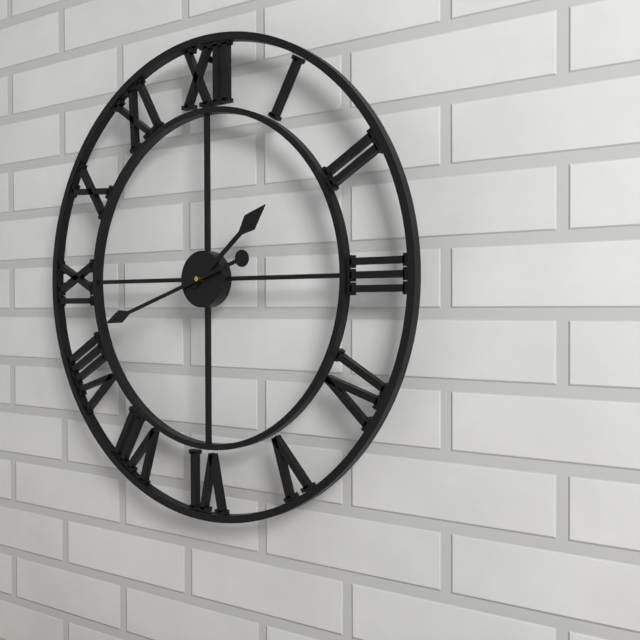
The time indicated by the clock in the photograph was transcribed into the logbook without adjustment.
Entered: 1:42
